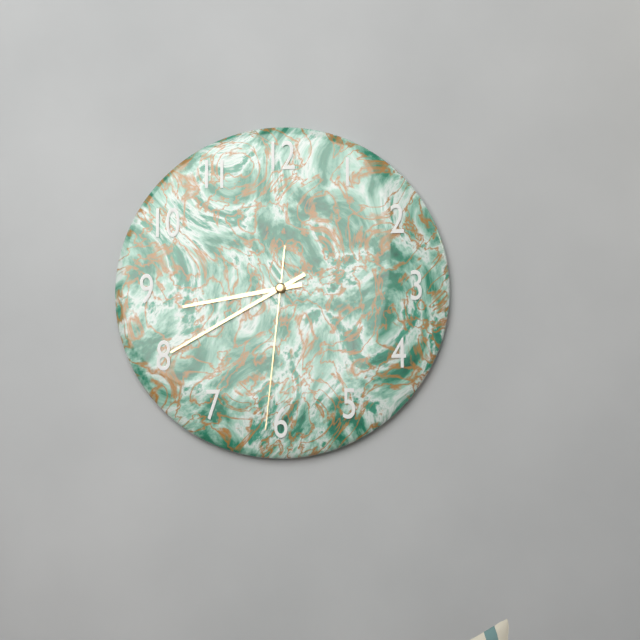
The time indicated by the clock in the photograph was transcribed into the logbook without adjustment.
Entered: 8:40:31
